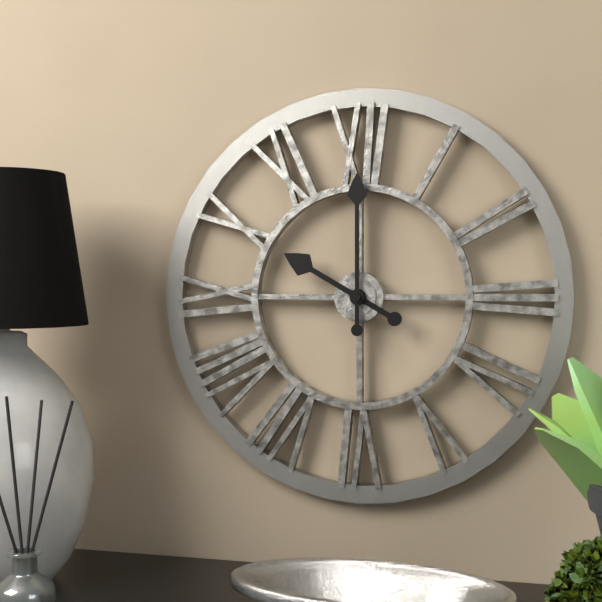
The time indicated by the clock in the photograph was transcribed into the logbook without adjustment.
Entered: 10:00
